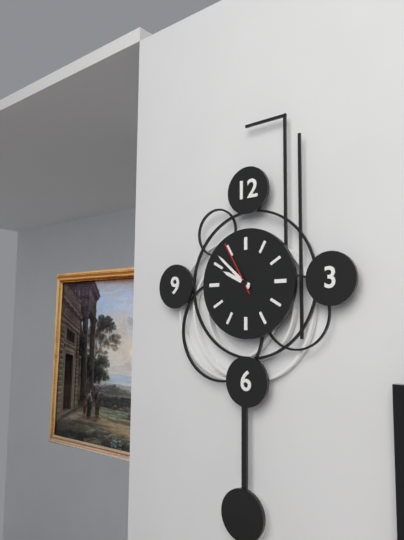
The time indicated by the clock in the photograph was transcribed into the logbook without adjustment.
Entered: 9:52:55
